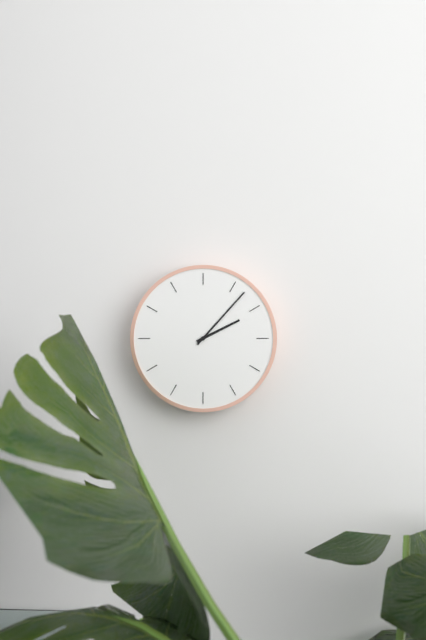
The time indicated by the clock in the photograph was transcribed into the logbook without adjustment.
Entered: 2:07
